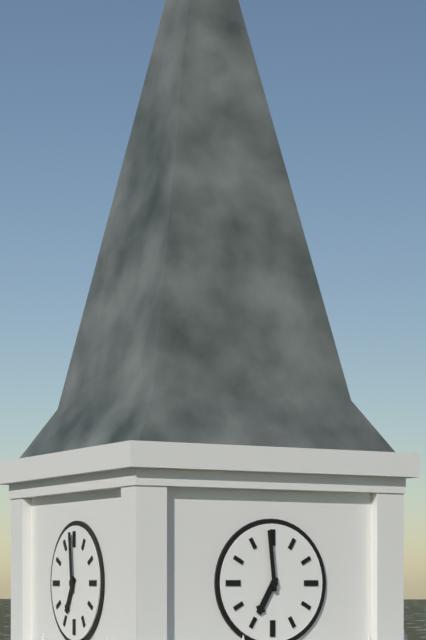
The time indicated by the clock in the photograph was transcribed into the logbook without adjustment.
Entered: 6:59
